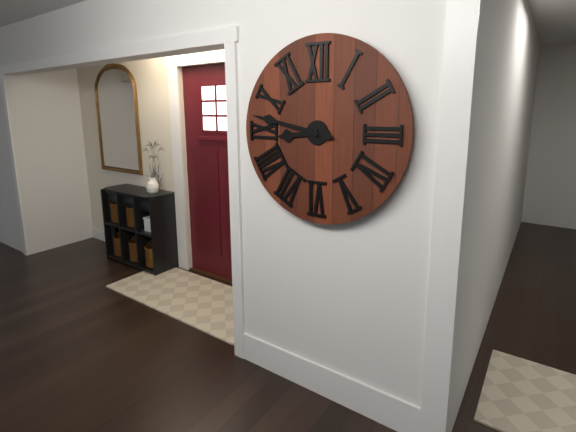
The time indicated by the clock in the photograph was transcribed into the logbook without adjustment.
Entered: 8:47
